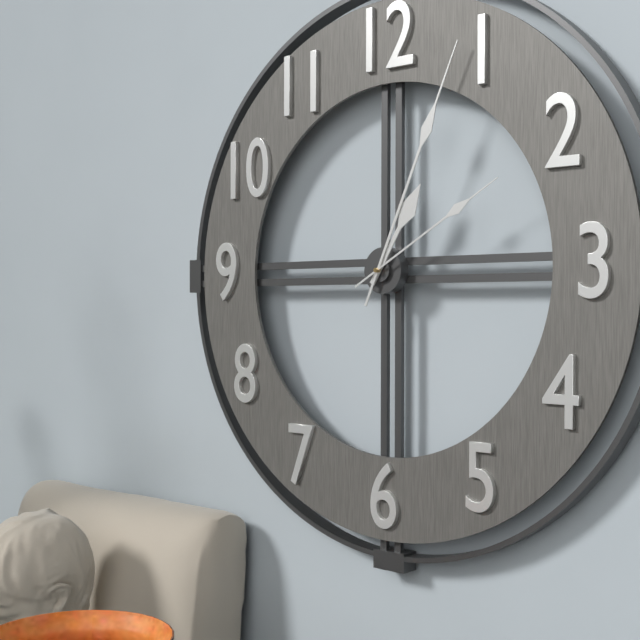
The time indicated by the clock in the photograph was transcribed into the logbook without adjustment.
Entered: 1:04:10
